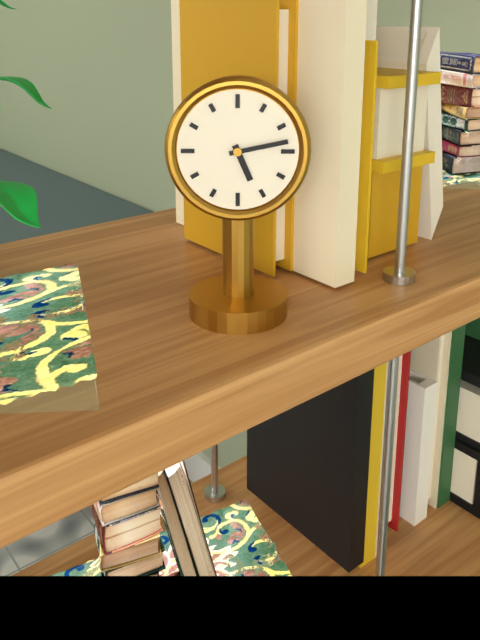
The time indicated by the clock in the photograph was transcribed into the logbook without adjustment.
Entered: 5:13
